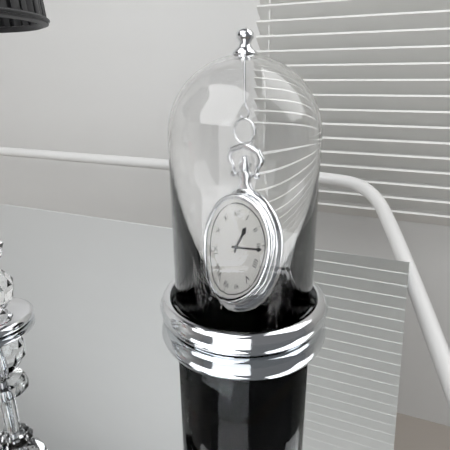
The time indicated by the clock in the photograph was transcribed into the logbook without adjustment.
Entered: 1:16
